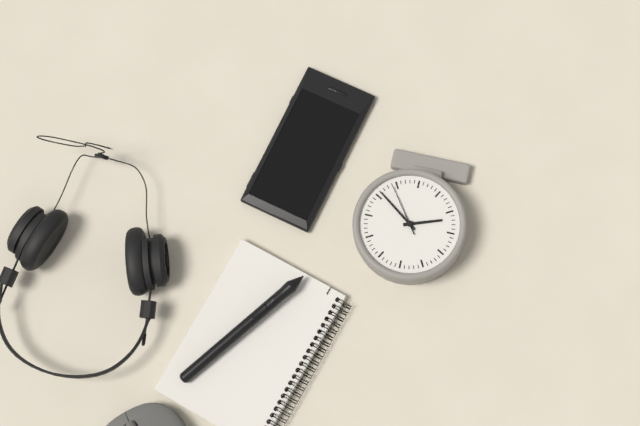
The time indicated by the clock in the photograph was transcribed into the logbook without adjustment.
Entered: 8:21:24
